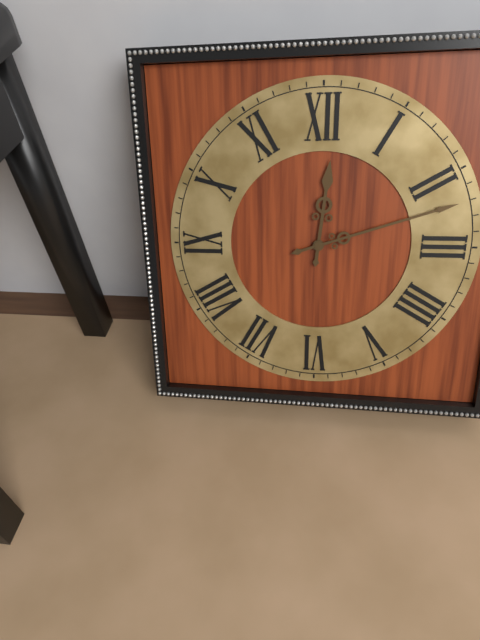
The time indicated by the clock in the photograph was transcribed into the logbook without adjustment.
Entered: 12:12
